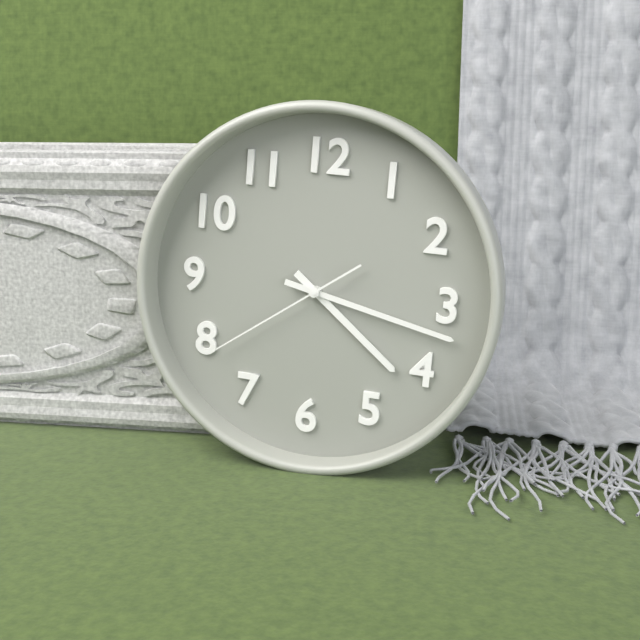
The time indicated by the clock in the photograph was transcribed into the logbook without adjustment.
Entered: 4:17:39
